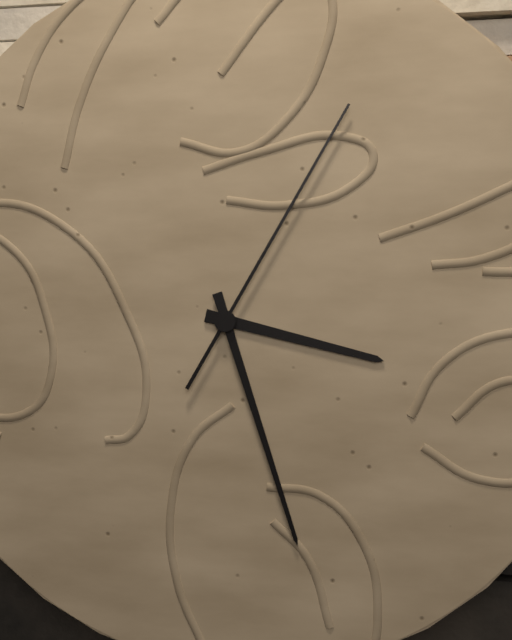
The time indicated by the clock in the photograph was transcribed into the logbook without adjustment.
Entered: 3:27:05
